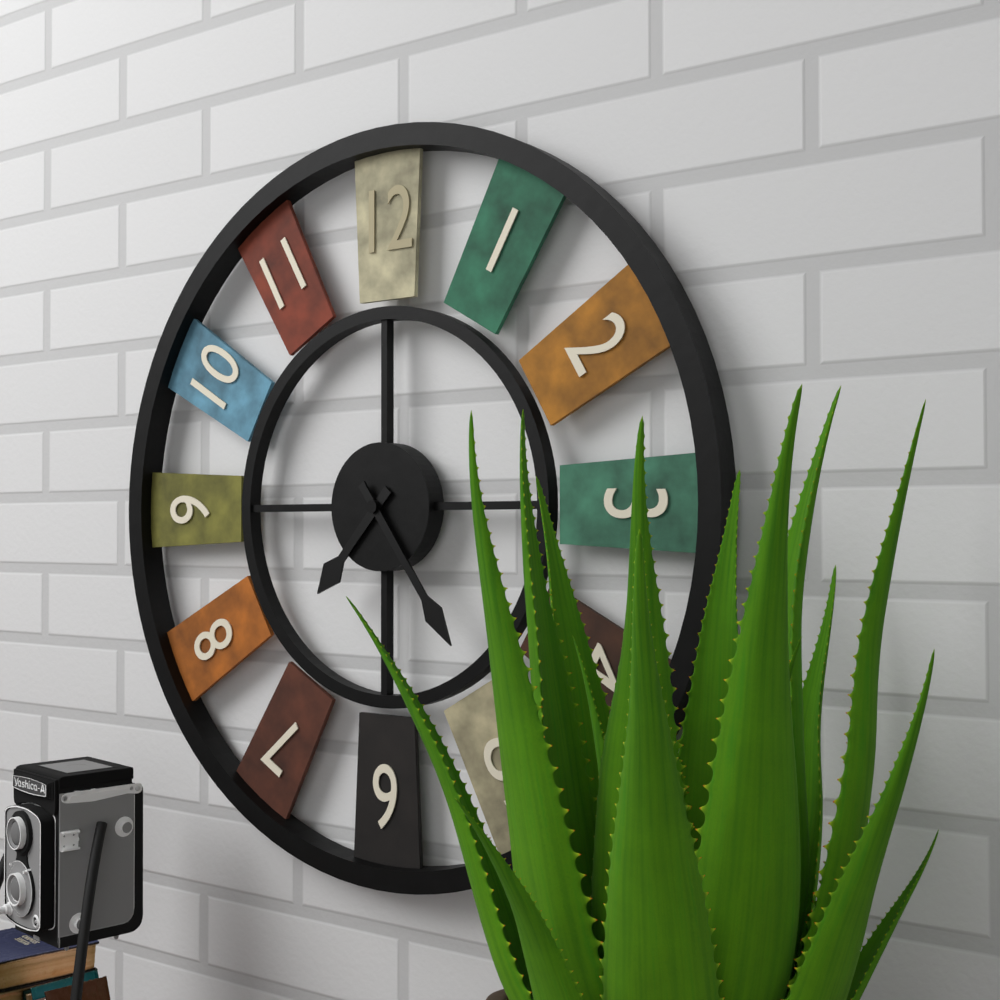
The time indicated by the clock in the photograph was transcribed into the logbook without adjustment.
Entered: 7:24
